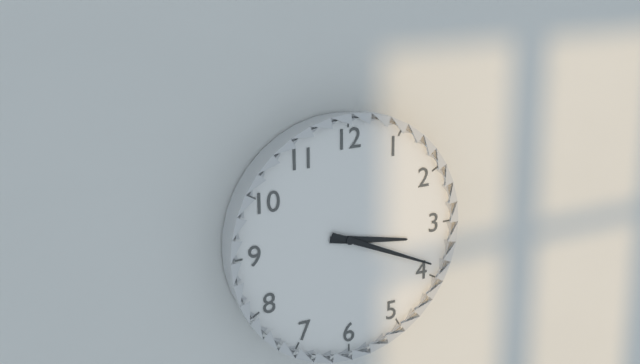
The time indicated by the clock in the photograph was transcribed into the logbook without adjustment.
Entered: 3:19
